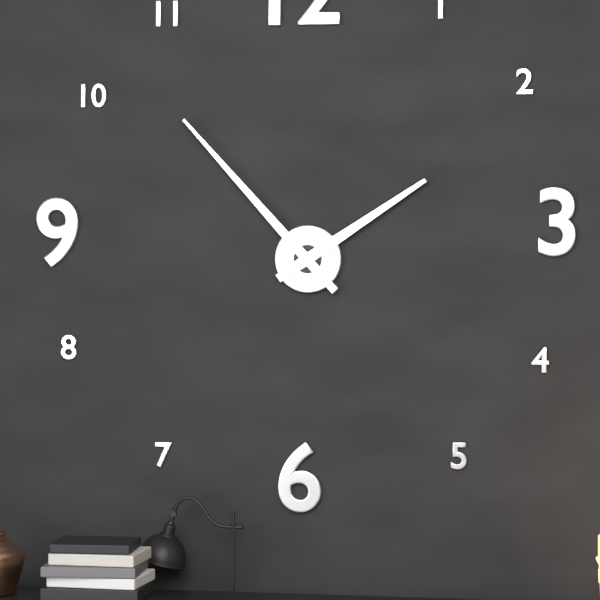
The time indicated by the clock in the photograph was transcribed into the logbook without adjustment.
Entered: 1:53
